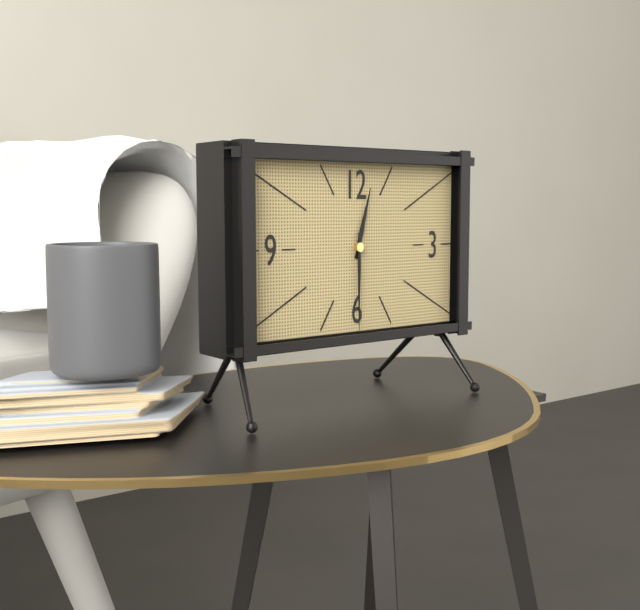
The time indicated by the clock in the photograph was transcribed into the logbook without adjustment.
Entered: 12:30
